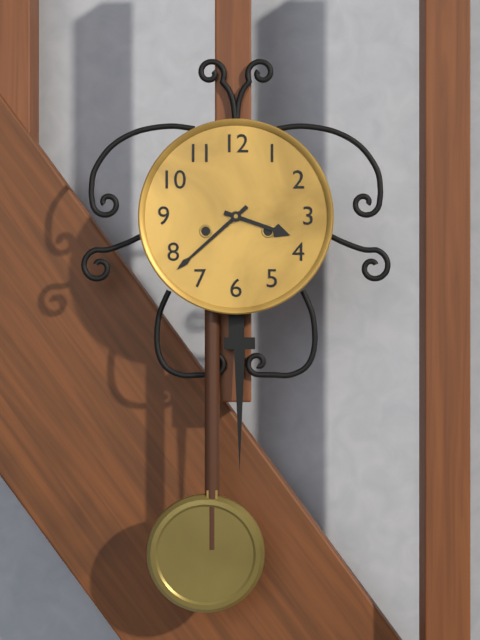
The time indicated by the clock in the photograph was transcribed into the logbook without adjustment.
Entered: 3:38
